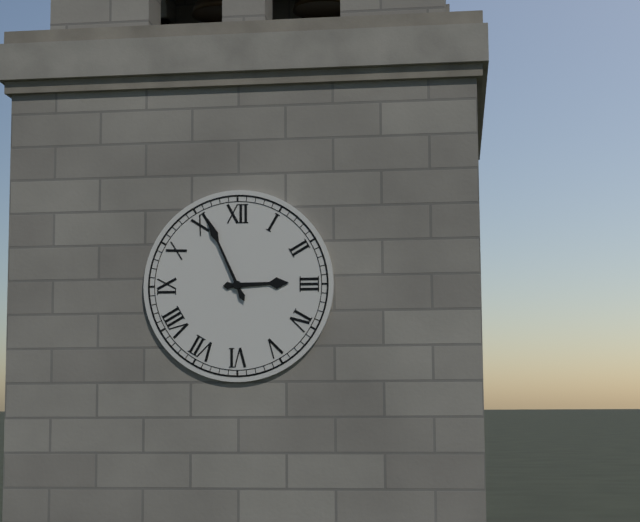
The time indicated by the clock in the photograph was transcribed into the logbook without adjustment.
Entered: 2:56
